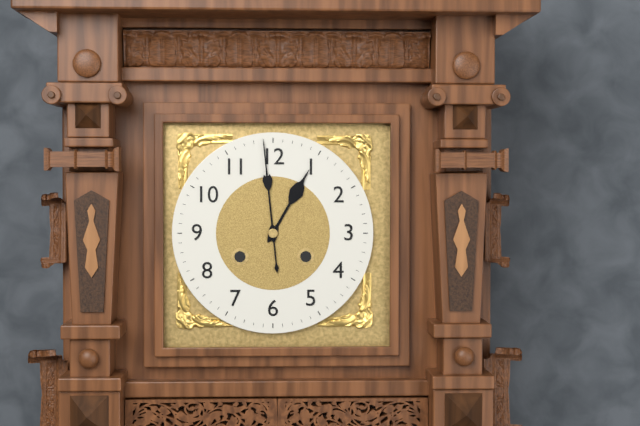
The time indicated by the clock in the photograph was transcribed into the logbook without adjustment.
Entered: 12:59
